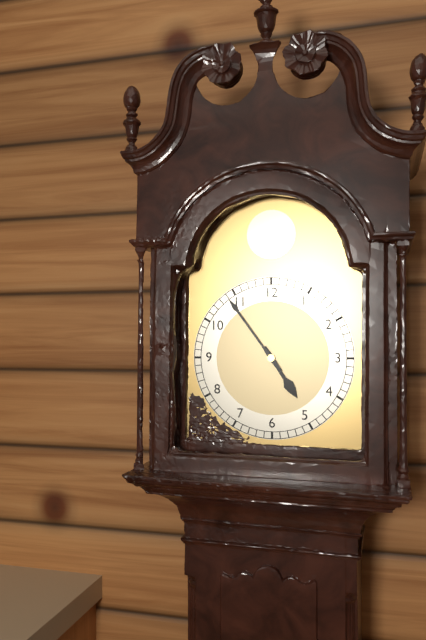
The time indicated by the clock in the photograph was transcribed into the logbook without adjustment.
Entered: 4:54
